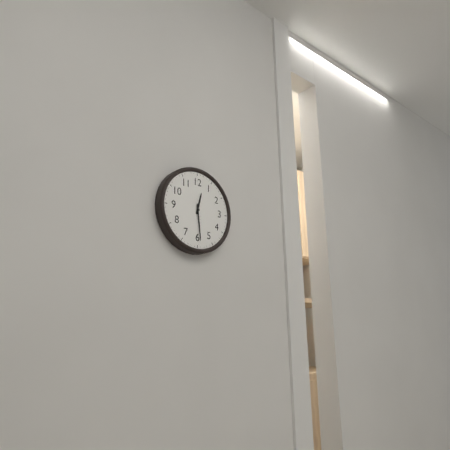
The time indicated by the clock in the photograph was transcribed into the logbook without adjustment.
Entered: 12:29
